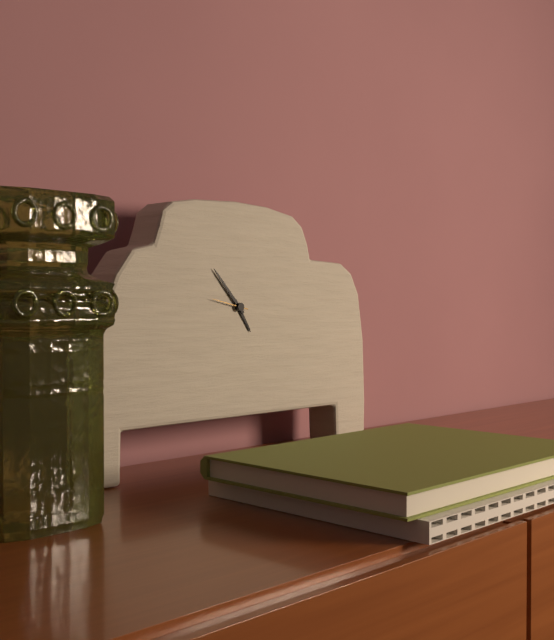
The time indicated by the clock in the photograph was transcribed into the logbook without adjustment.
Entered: 4:53
